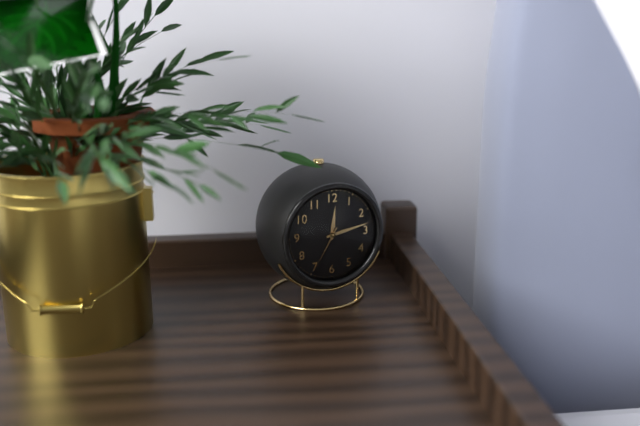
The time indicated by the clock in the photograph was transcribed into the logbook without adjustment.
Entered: 12:13
